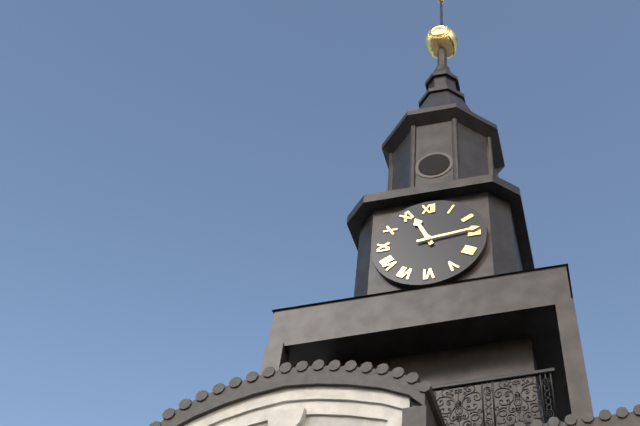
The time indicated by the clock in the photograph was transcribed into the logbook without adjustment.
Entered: 11:14
